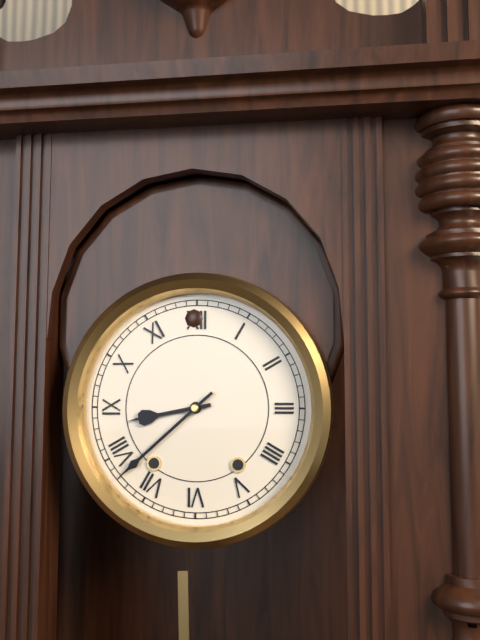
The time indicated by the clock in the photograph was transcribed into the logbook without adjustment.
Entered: 8:38
